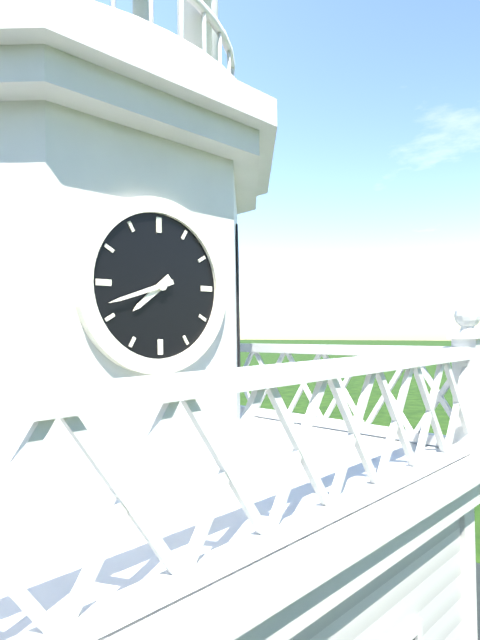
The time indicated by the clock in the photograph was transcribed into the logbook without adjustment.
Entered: 7:42
